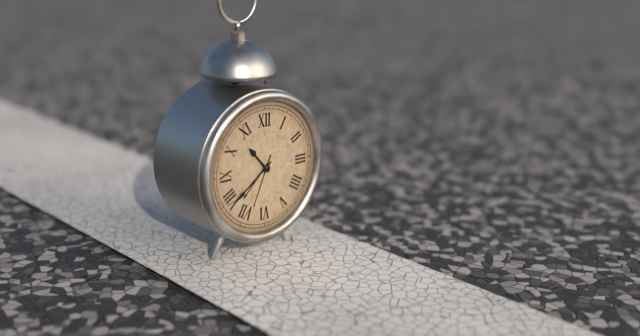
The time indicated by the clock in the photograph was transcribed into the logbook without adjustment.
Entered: 10:39:34
